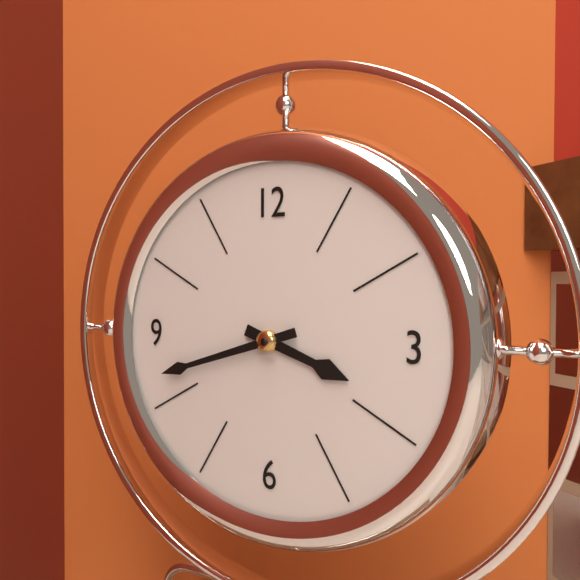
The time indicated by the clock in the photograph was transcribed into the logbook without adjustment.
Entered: 3:42
